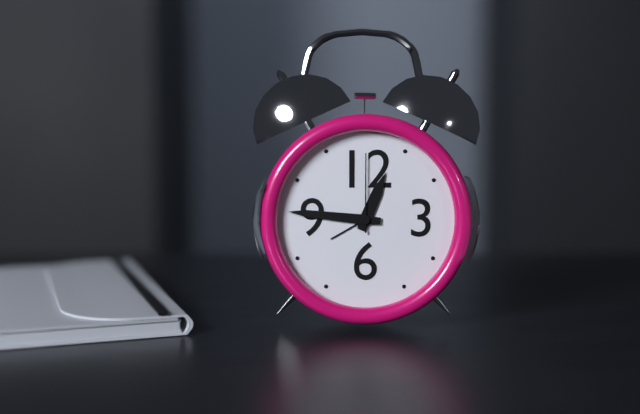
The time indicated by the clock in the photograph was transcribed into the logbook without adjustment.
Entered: 12:46:00
